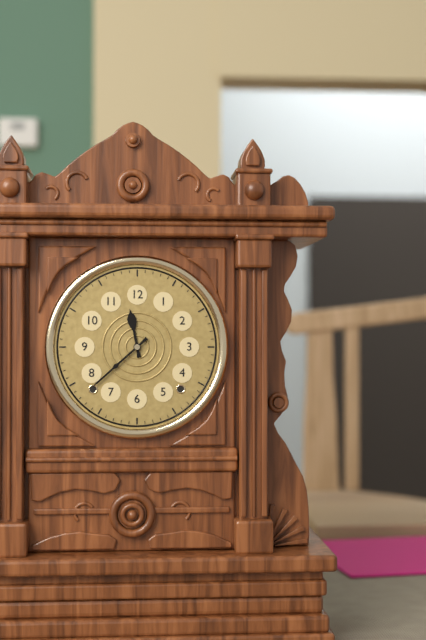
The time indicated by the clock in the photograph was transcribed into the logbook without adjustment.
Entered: 11:38
